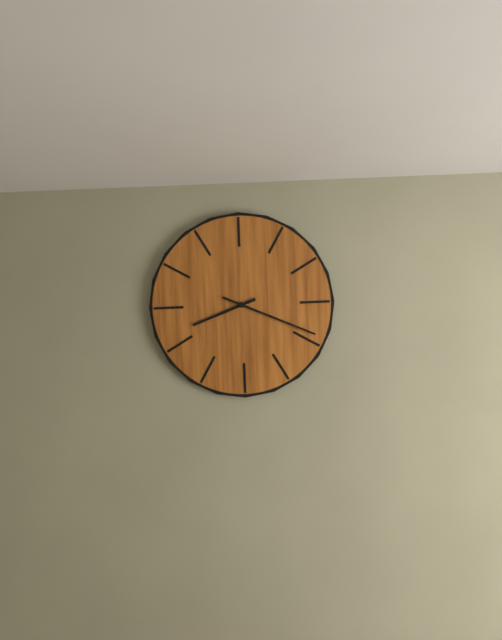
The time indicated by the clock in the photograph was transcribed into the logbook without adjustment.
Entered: 8:19
